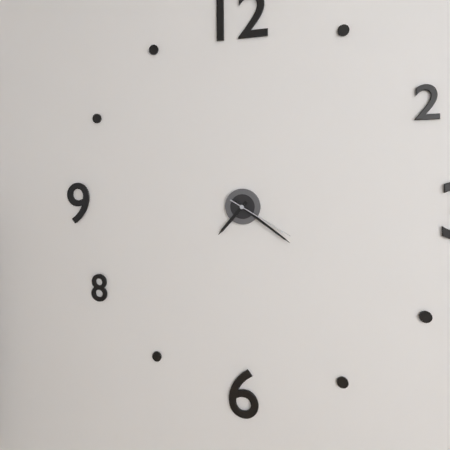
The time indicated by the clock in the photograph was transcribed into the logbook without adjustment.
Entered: 7:21:20
